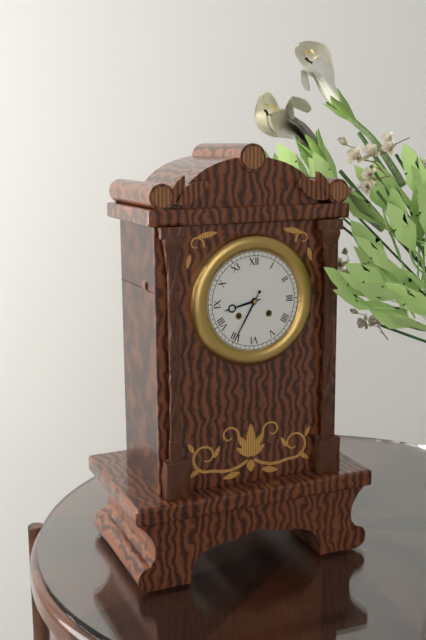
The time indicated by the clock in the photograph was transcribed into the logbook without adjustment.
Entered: 8:35
